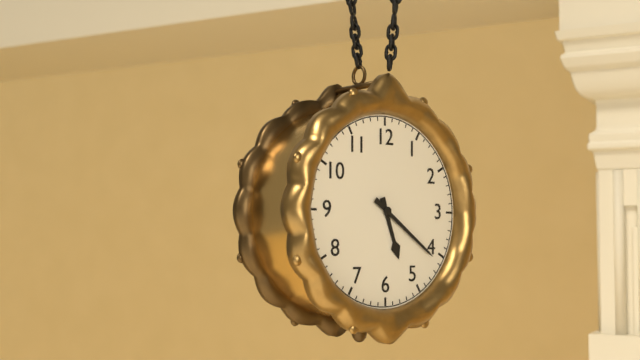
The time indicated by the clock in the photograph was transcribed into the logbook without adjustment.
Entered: 5:21
